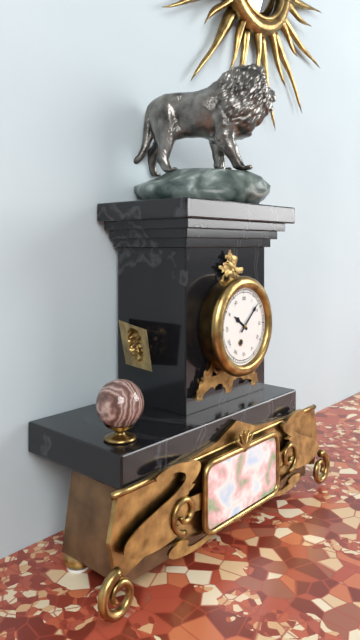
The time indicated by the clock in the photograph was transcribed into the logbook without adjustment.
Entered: 10:08
